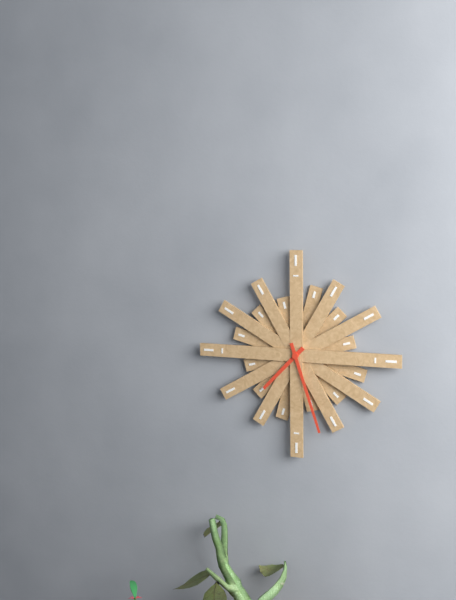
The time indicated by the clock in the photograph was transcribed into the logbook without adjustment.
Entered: 7:27
